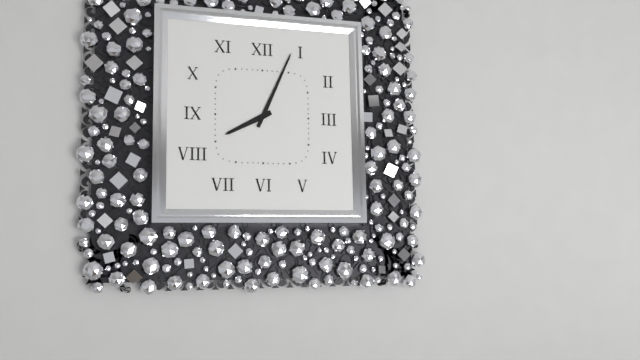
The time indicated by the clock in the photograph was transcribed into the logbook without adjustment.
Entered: 8:04
